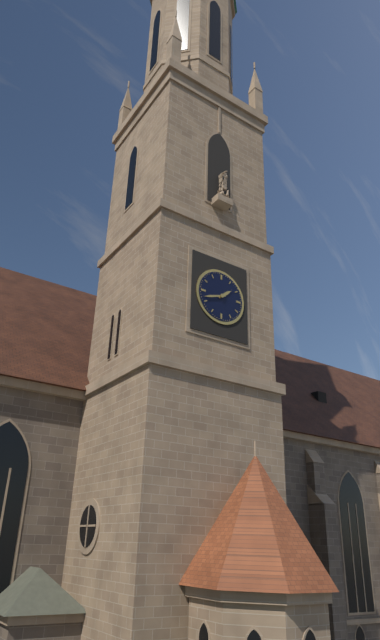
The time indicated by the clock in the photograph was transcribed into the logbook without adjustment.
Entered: 1:42
